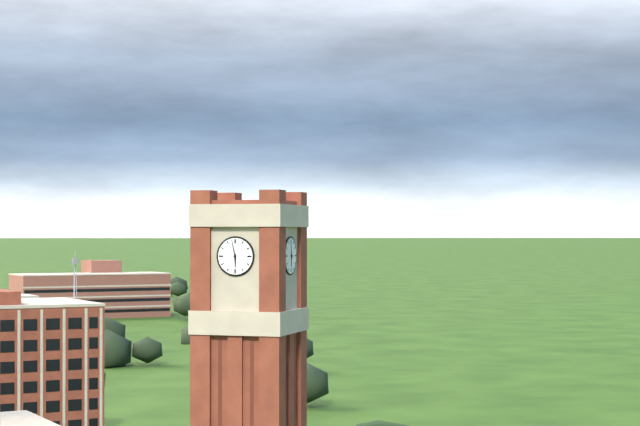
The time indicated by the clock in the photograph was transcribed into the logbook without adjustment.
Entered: 5:58
